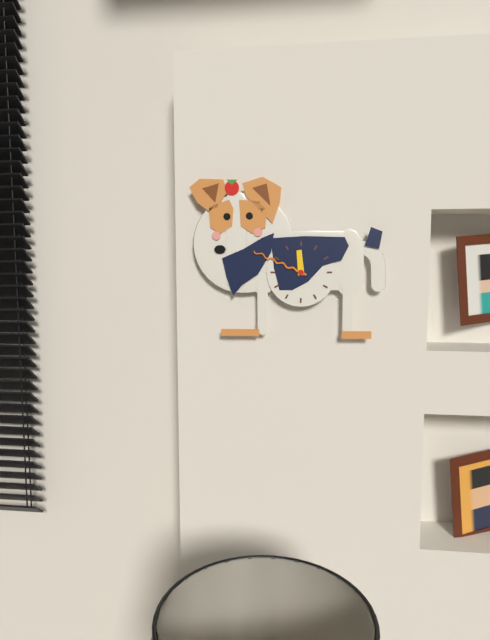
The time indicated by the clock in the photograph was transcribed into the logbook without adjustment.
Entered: 11:49
